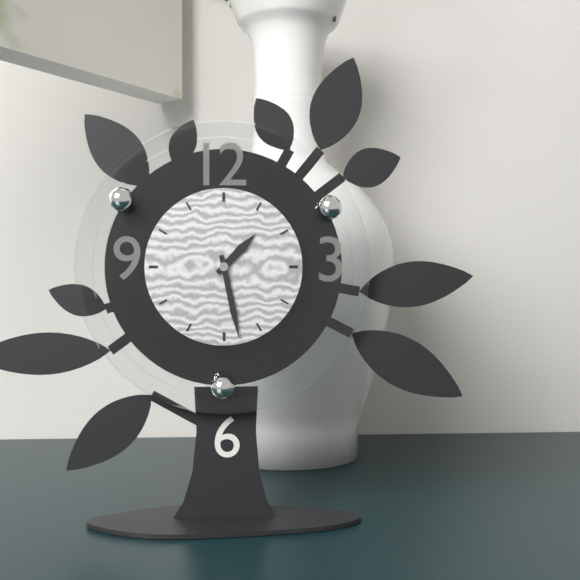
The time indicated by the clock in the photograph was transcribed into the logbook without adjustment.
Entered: 1:28
